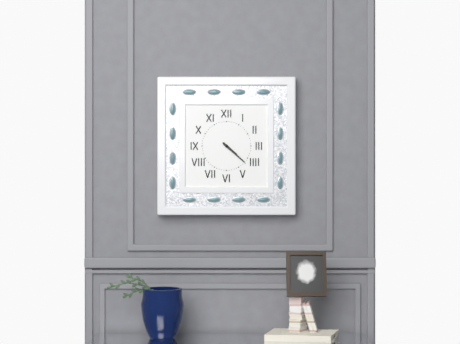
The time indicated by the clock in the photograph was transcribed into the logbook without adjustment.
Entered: 4:22
